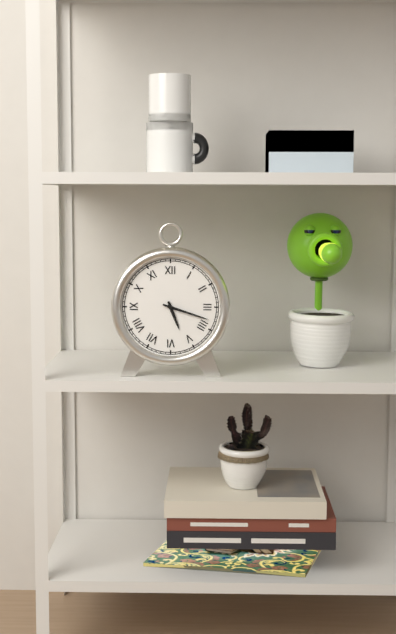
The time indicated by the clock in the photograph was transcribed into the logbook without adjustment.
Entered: 5:18
